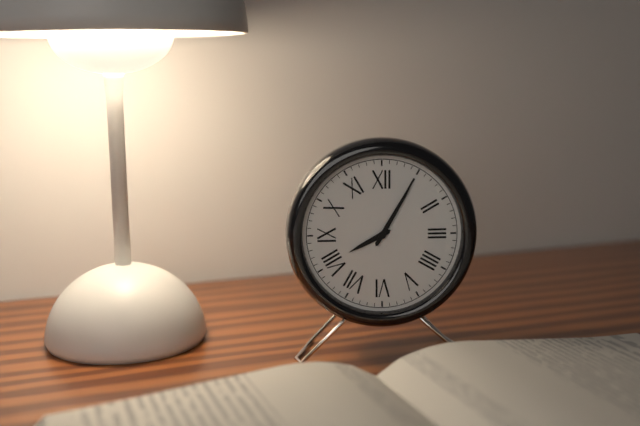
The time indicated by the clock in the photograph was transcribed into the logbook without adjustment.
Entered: 8:05
